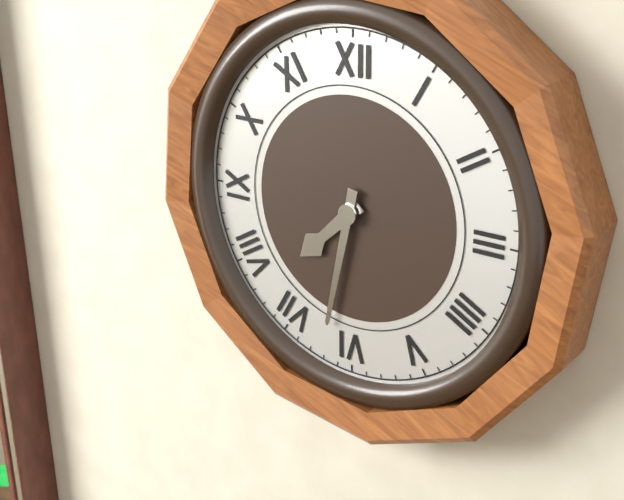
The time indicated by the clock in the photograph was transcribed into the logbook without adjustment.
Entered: 7:32
